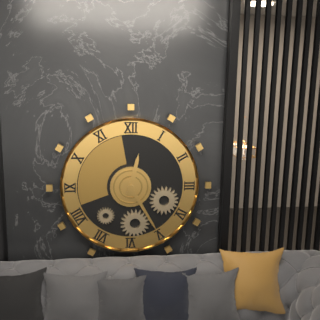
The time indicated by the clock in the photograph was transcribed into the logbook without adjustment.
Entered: 12:25
